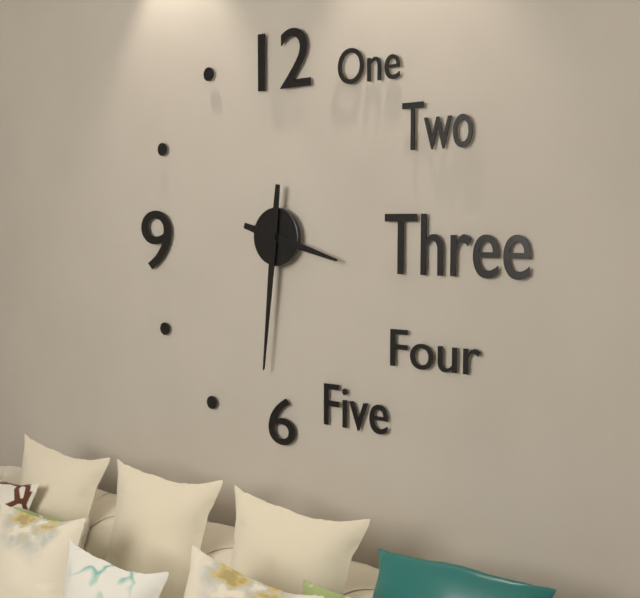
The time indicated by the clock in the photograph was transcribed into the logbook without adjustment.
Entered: 3:31
